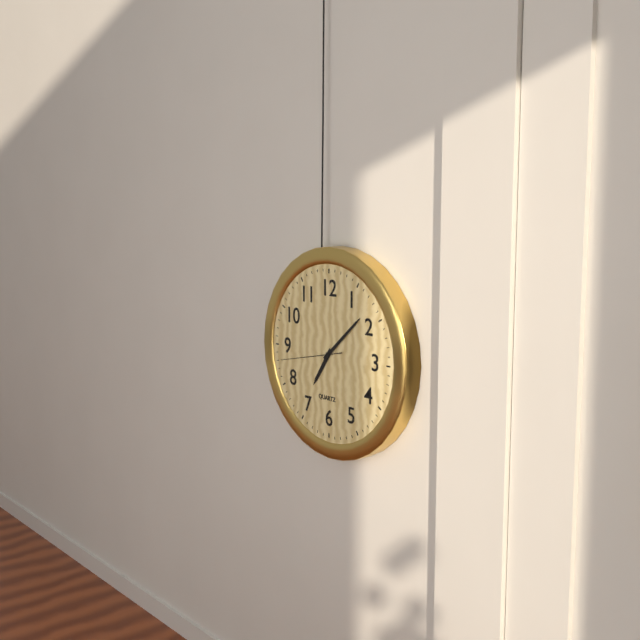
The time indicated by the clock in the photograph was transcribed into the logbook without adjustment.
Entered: 7:08:43
